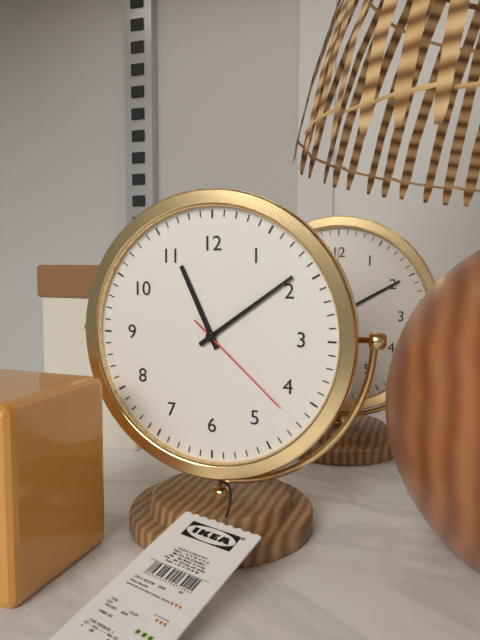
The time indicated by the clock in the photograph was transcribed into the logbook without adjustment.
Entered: 11:09:22
